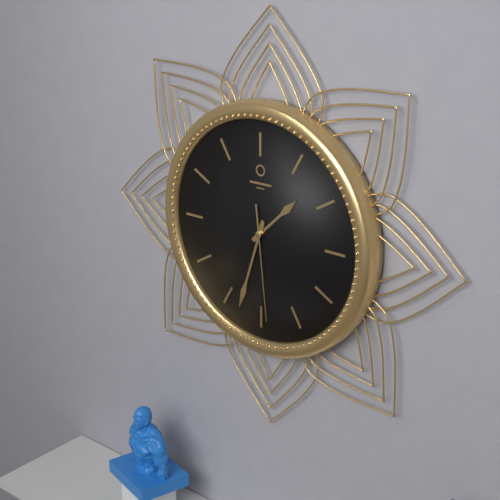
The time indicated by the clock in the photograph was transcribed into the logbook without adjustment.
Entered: 1:33:29
